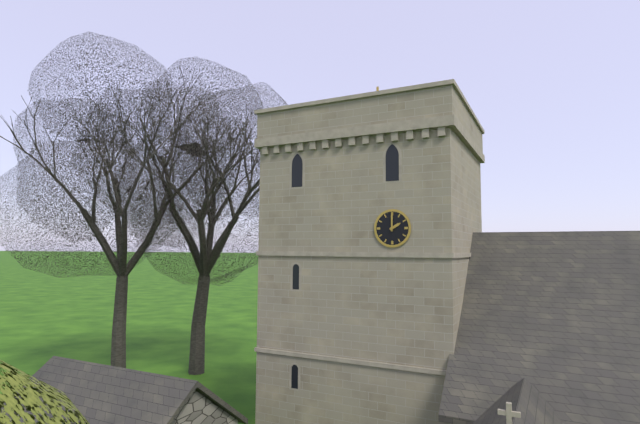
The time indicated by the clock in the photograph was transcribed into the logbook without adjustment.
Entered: 2:00
